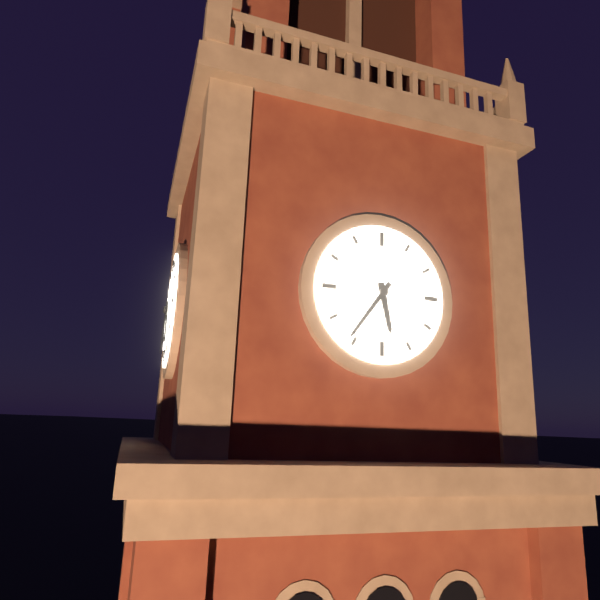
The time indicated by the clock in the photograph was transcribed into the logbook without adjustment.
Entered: 5:36
